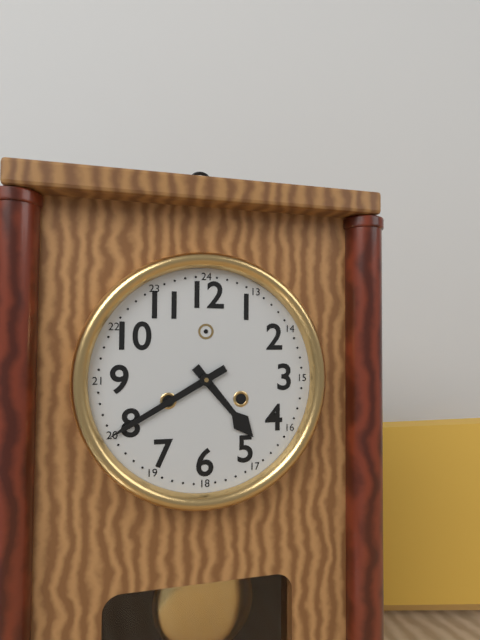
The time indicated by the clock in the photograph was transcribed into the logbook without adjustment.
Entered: 4:40
